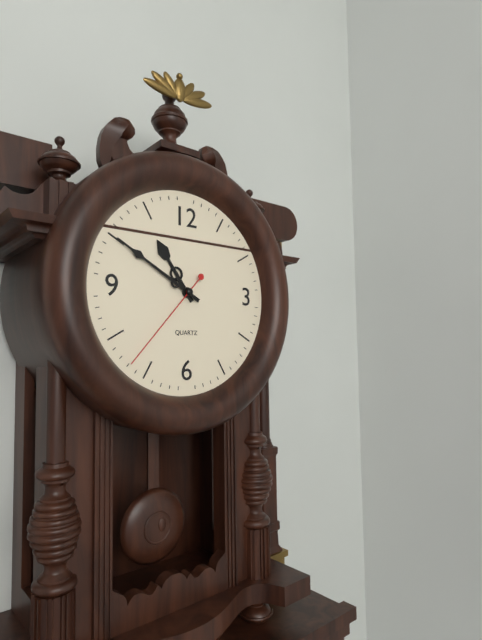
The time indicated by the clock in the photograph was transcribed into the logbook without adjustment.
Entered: 10:50:37
